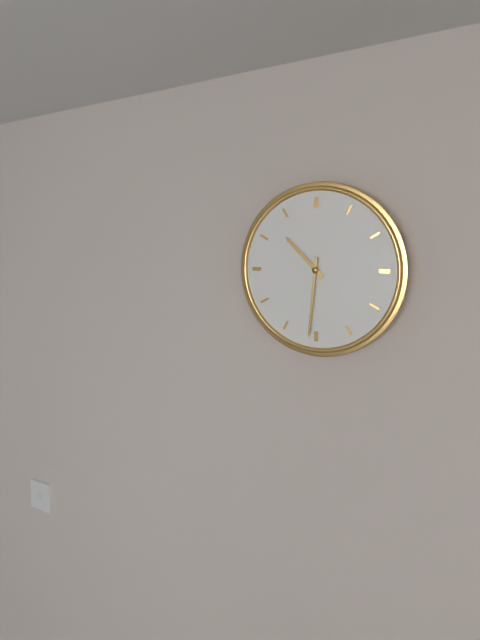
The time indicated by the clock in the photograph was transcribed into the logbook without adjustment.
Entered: 10:31
